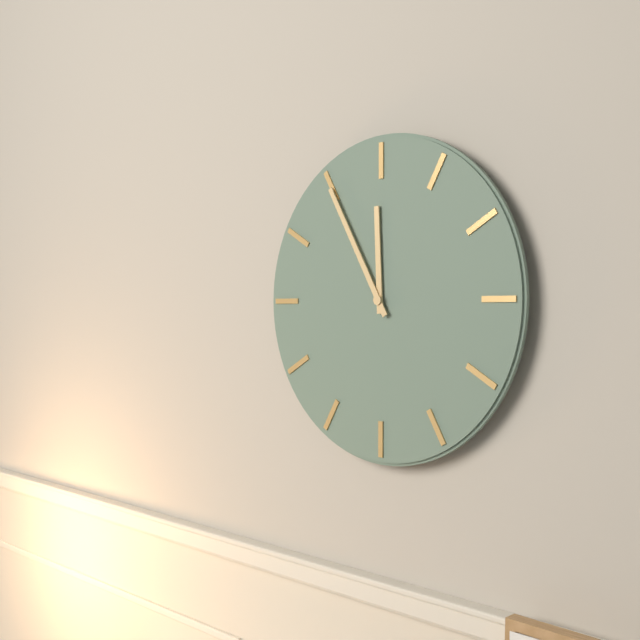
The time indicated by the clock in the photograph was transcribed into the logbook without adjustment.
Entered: 11:55
